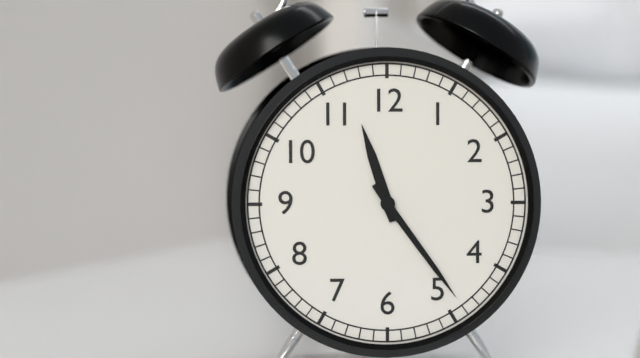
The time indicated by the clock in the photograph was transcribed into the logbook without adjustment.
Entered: 11:24
